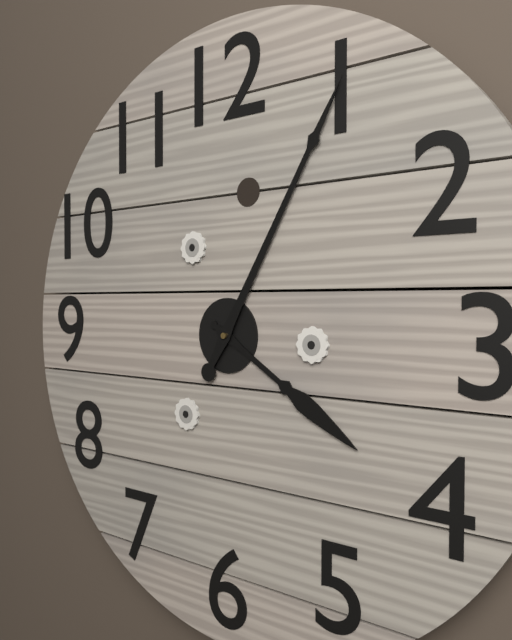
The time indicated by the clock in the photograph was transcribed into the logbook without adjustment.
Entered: 4:05
